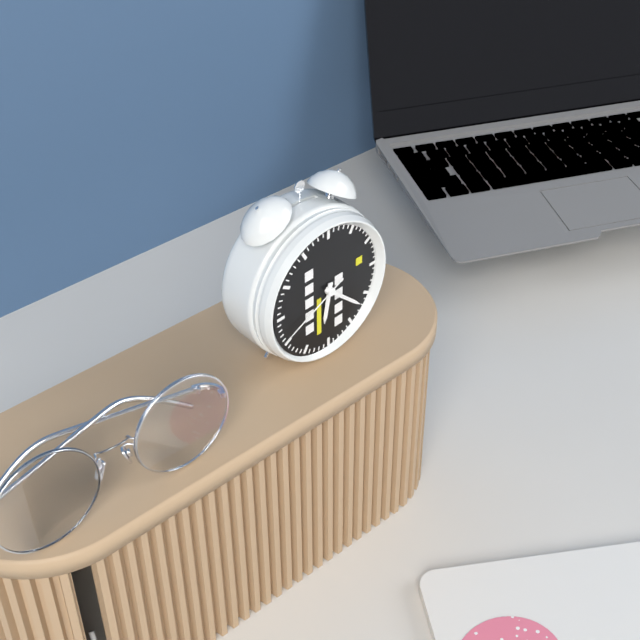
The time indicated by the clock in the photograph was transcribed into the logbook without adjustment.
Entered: 6:22:41
